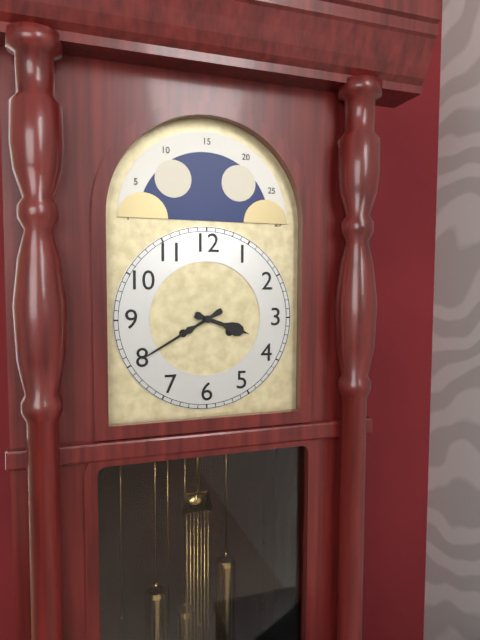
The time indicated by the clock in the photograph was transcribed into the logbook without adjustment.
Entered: 3:40
